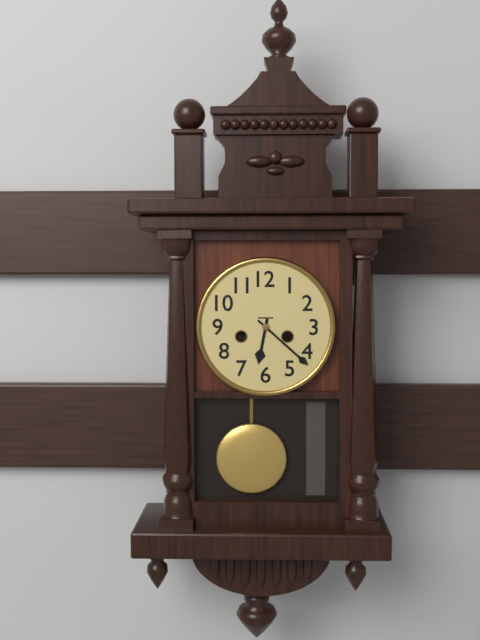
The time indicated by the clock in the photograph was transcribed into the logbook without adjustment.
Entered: 6:22
